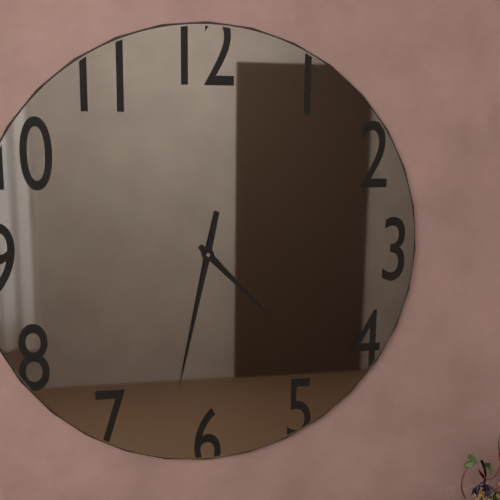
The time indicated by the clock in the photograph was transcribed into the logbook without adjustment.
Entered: 4:32
